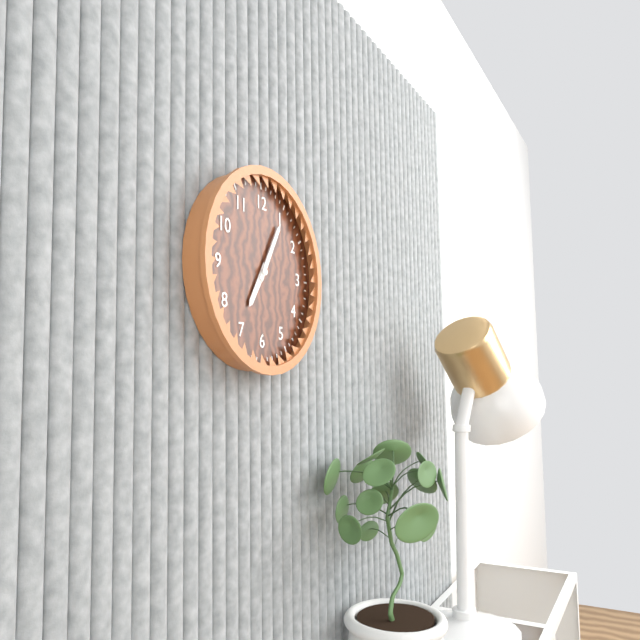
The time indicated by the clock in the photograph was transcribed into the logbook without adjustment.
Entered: 7:05
